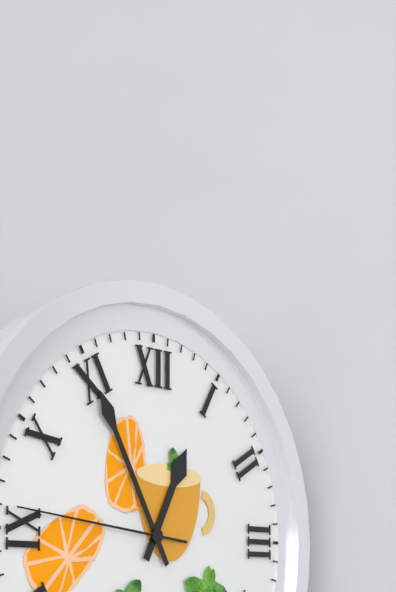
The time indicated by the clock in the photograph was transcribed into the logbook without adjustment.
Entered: 12:55:46
